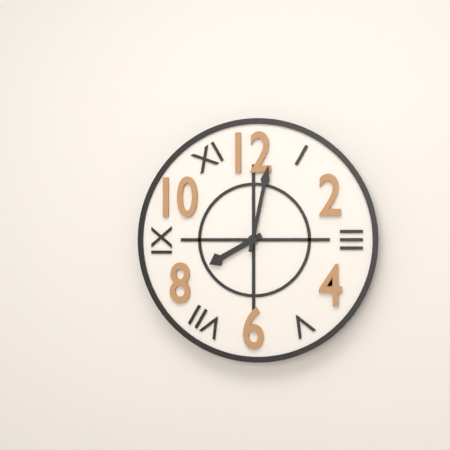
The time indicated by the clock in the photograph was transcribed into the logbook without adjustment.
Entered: 8:02
